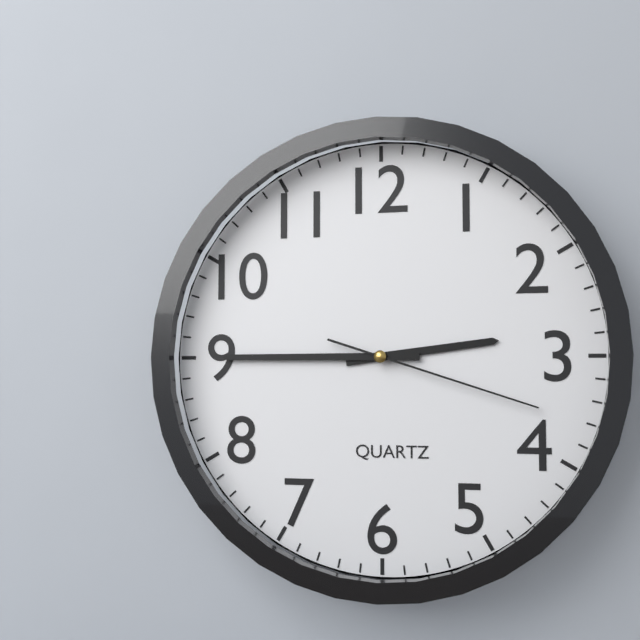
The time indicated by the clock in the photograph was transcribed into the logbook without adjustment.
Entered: 2:45:18
